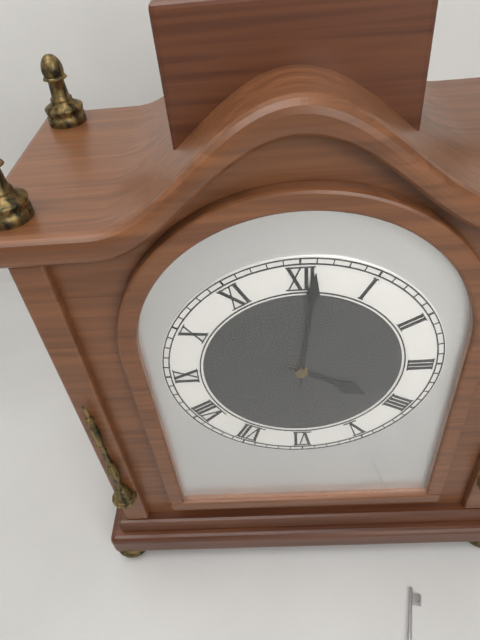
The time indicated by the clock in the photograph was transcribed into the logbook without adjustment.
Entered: 4:01
